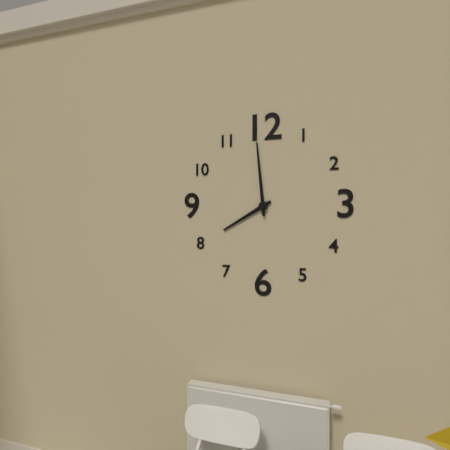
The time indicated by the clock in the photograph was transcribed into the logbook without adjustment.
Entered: 7:59
